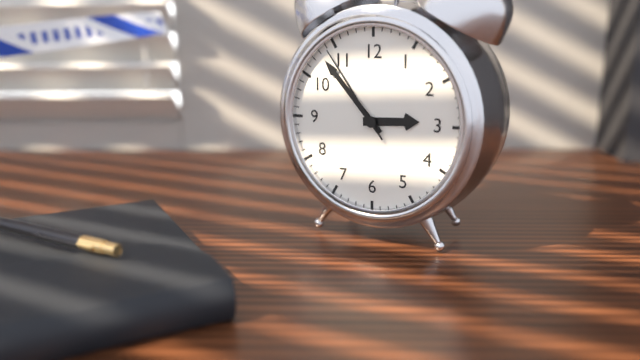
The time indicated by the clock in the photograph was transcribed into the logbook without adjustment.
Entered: 2:53:54
